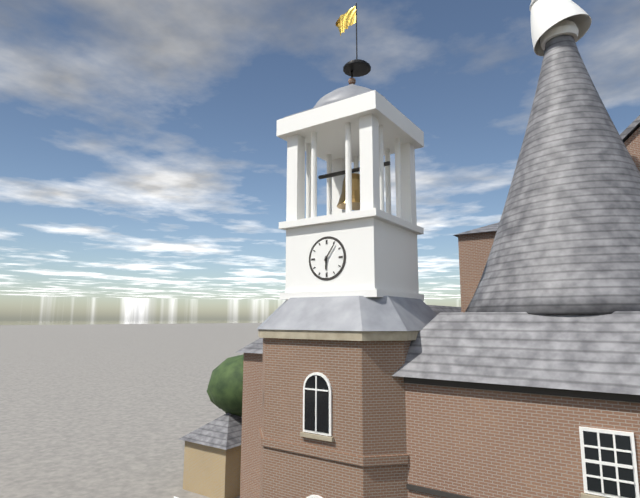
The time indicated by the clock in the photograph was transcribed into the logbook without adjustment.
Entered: 6:06
